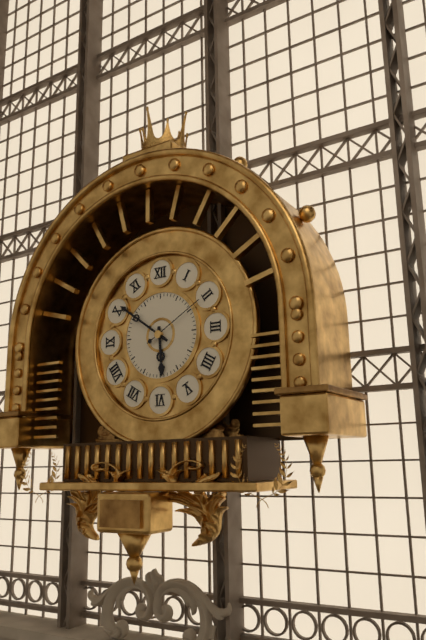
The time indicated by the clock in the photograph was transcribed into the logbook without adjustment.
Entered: 5:51:10
